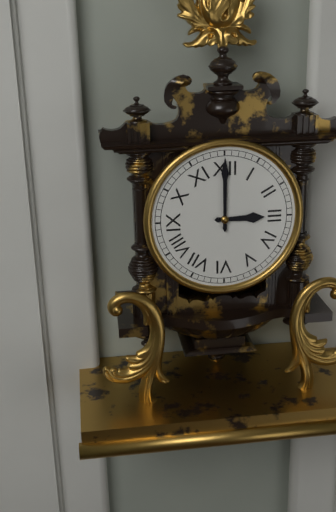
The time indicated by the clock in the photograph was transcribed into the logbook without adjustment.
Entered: 3:00
